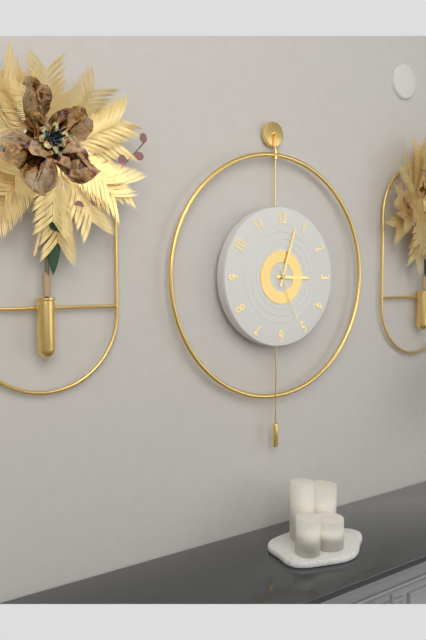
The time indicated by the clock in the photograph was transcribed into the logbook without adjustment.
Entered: 3:03:26
